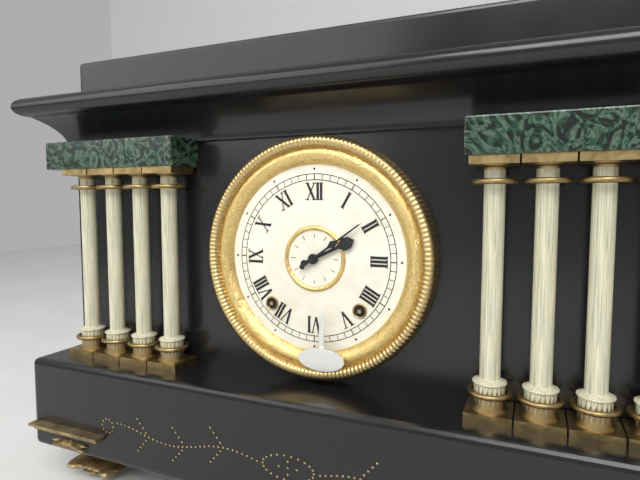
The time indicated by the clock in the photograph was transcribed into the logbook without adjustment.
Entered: 2:09
